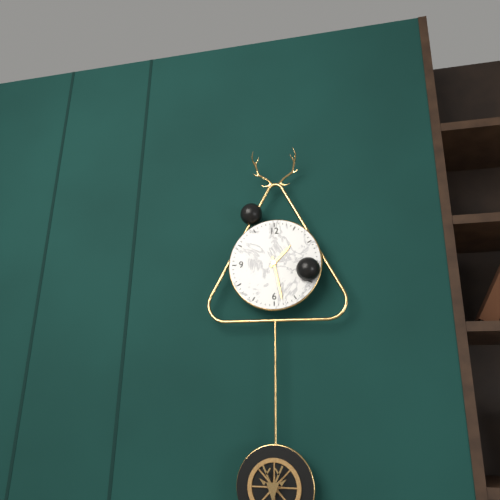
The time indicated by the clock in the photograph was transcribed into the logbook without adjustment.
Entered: 1:28
